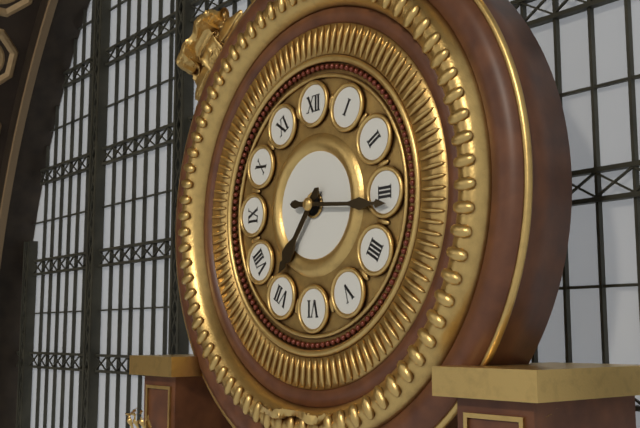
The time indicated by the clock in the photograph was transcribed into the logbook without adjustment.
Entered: 7:16
